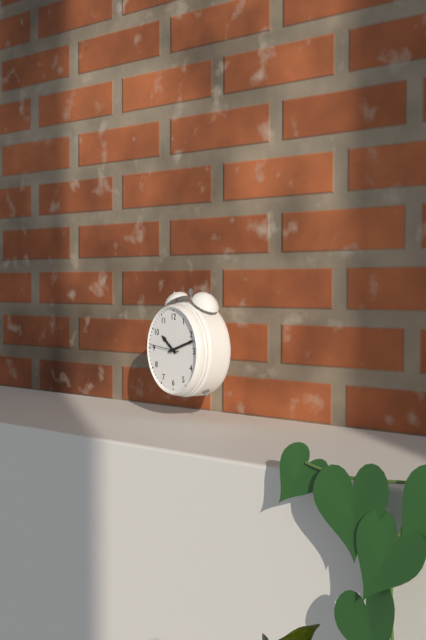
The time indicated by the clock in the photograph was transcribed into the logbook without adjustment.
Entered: 10:12
